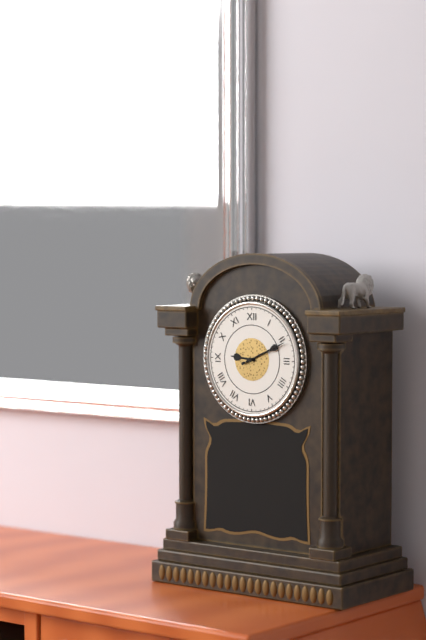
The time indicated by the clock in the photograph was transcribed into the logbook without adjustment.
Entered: 9:11
